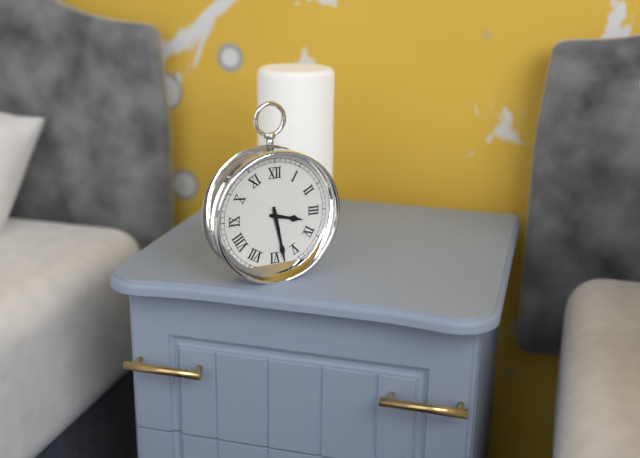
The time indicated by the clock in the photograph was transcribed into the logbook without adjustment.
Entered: 3:28
